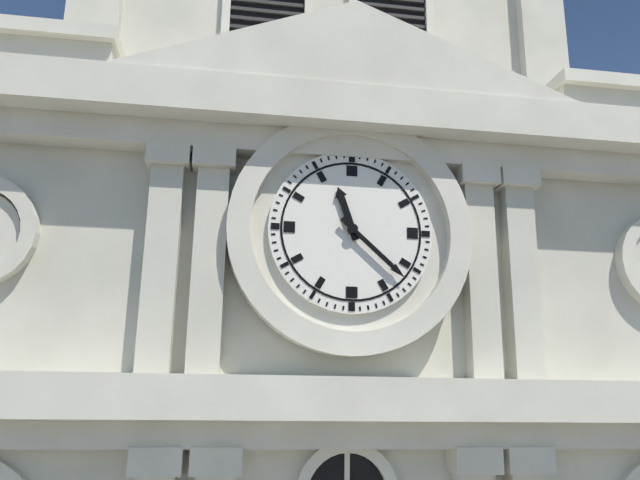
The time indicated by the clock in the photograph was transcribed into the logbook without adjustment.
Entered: 11:22
